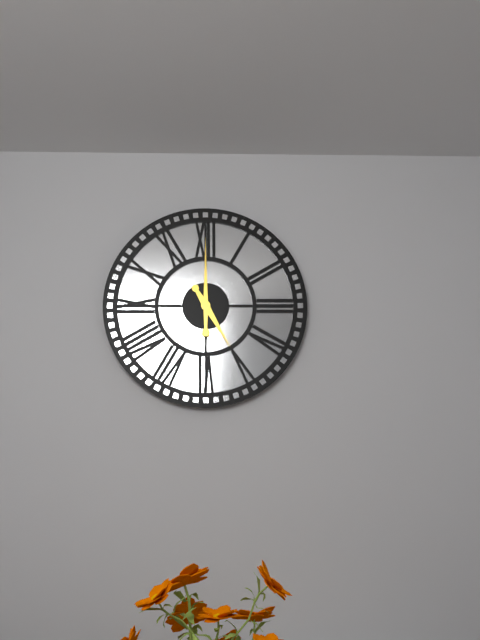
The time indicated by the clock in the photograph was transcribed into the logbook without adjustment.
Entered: 5:00
